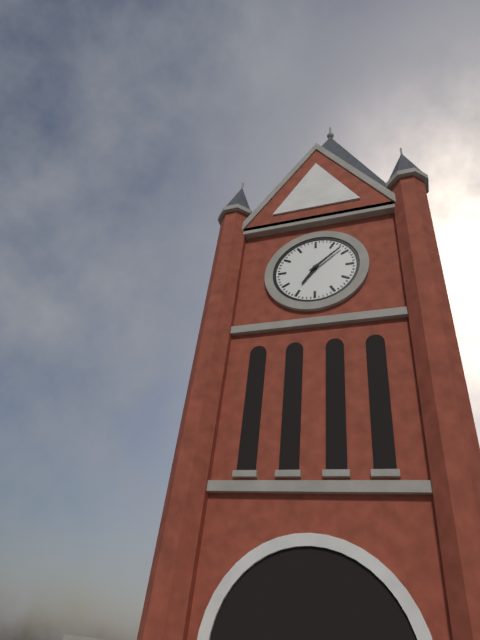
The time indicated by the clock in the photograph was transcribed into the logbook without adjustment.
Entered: 7:08
